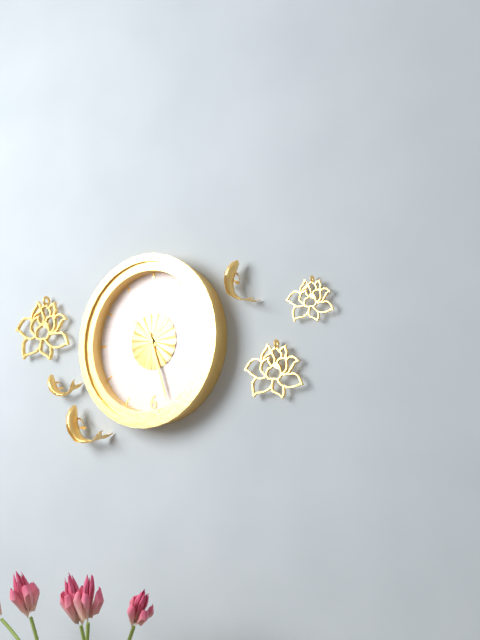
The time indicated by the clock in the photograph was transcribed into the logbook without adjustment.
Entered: 10:27
